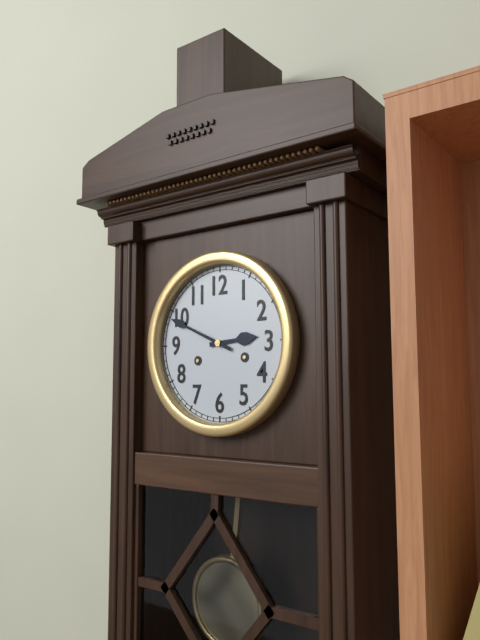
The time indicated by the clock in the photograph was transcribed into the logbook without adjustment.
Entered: 2:49
